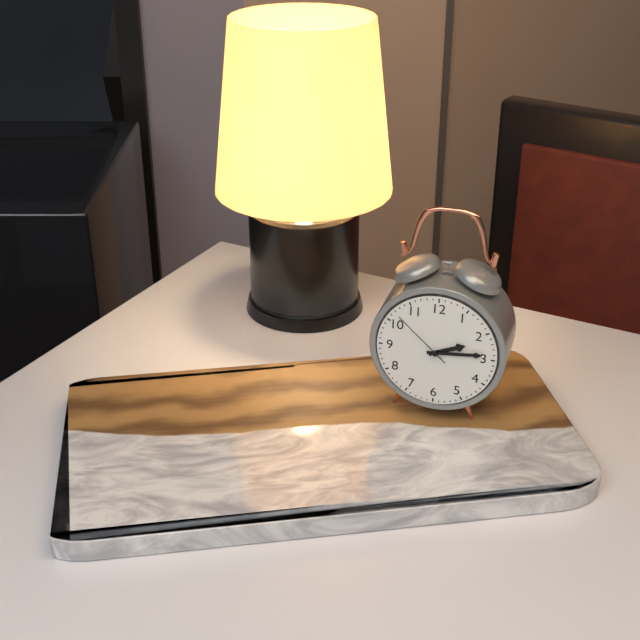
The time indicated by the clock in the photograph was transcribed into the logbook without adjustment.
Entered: 2:14:52
